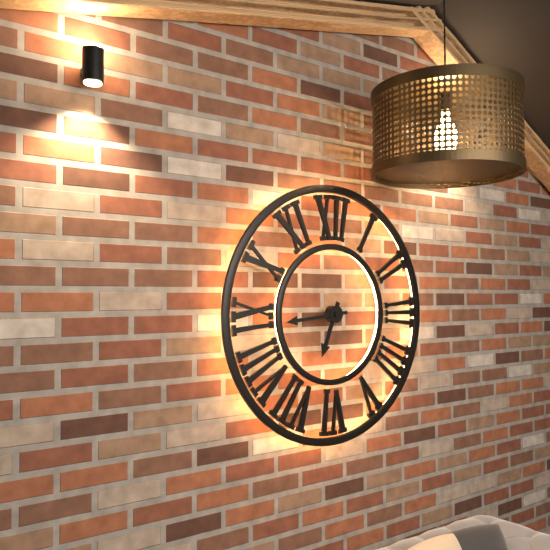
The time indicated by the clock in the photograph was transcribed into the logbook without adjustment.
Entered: 6:44
